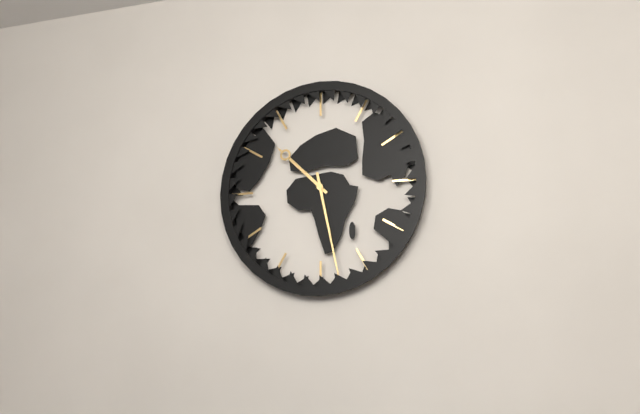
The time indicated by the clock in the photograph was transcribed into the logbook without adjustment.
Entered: 10:28
